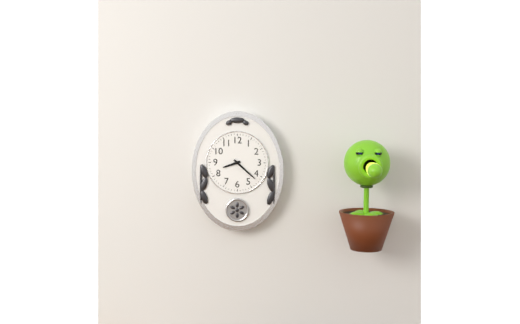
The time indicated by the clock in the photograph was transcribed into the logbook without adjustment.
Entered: 8:22
